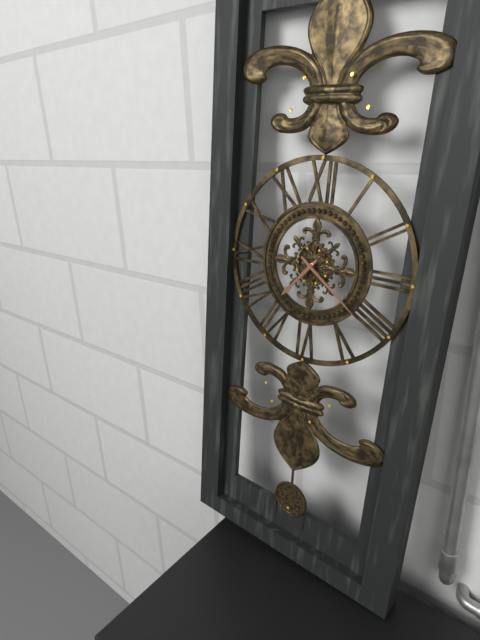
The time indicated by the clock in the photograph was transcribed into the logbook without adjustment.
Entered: 7:21
